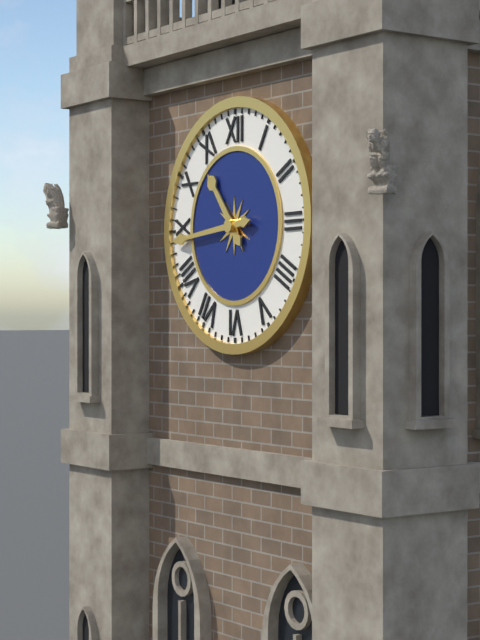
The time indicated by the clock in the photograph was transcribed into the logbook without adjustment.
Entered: 10:44
